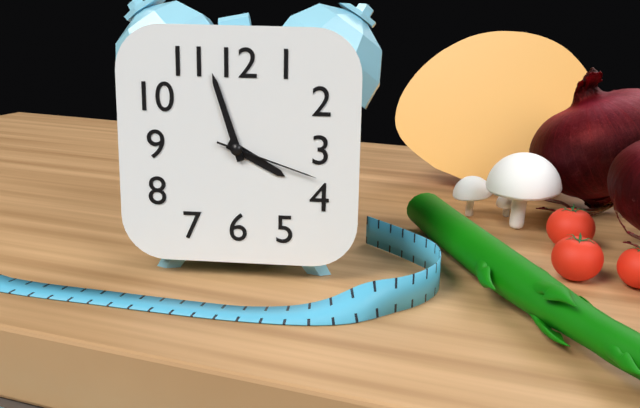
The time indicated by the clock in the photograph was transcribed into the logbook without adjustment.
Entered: 3:57:18
